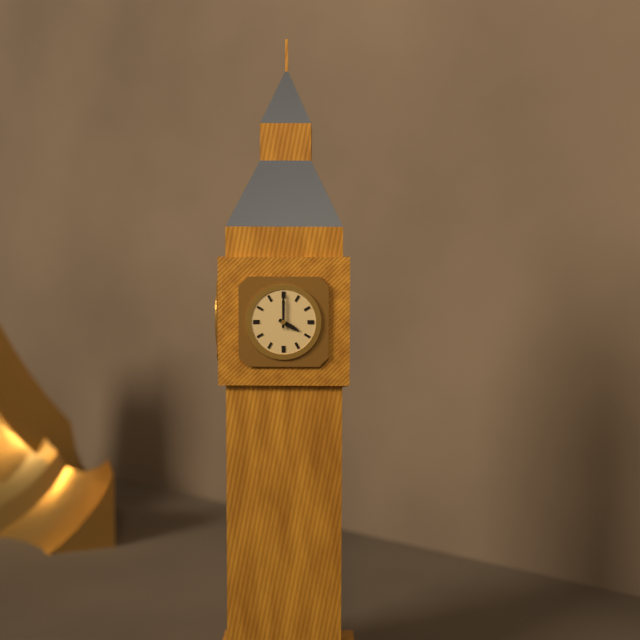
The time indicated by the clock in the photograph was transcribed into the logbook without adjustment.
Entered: 4:00
